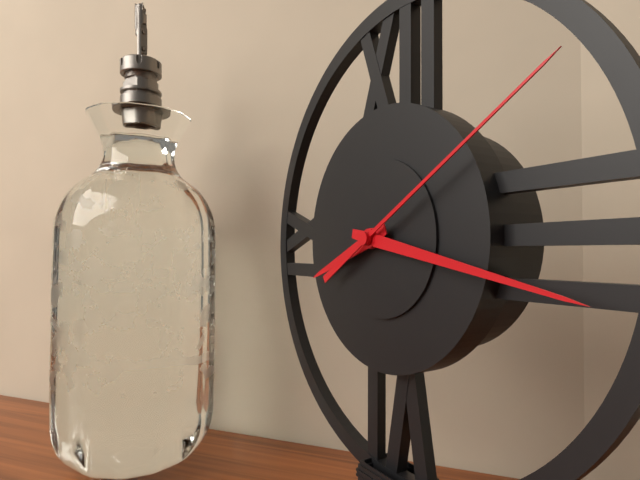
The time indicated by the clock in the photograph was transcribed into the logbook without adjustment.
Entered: 8:17:10
